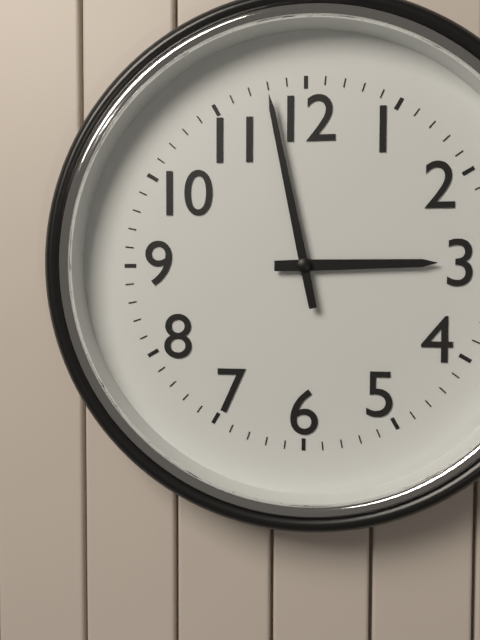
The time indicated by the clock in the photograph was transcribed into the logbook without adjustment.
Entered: 2:58
